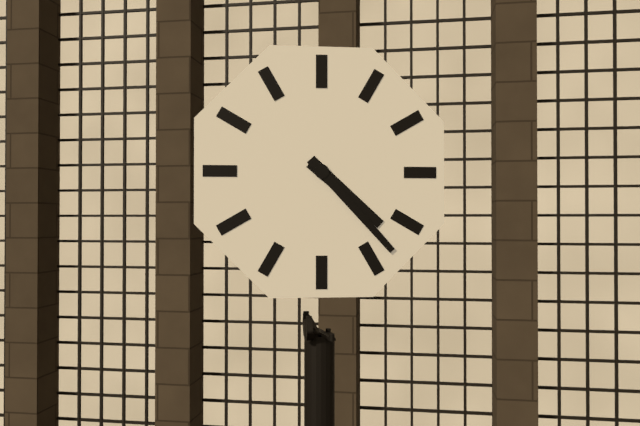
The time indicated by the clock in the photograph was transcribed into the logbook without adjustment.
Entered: 4:23
